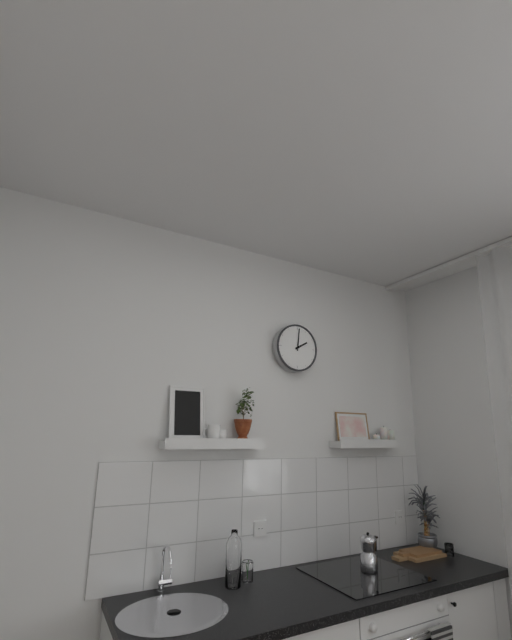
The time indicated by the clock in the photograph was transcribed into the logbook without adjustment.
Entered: 2:01
